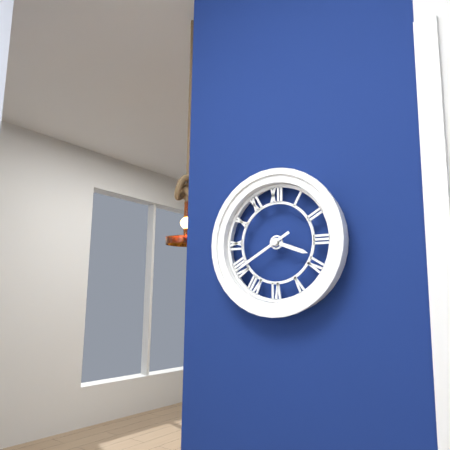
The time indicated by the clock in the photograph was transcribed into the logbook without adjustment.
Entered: 3:40
